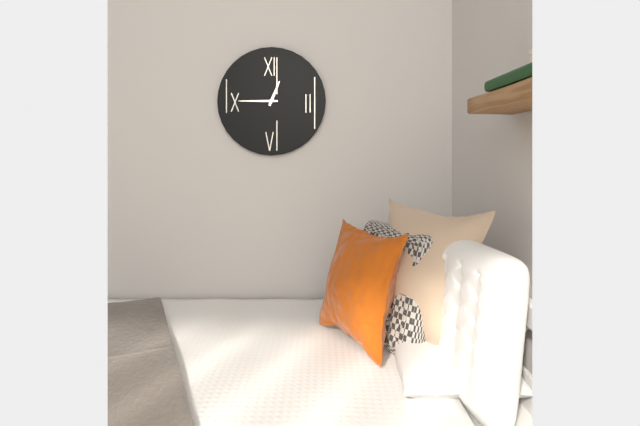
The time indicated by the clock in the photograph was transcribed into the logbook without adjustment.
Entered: 12:45
